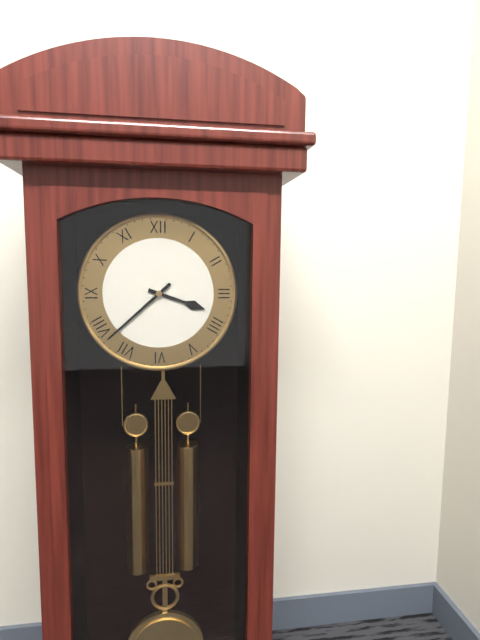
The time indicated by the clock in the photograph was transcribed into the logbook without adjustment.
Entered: 3:38
